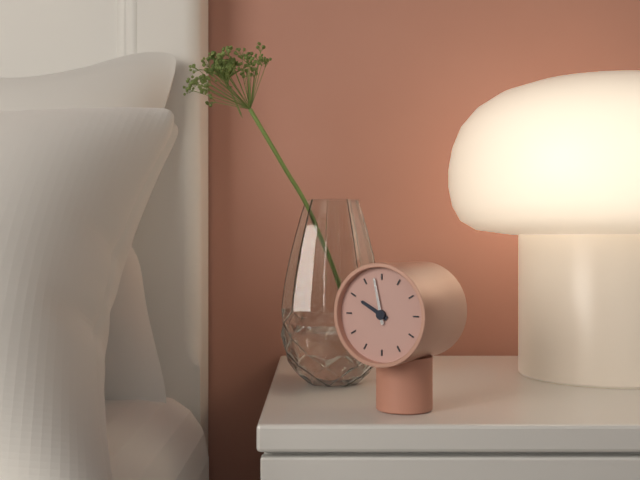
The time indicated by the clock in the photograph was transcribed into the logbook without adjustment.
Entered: 9:58
